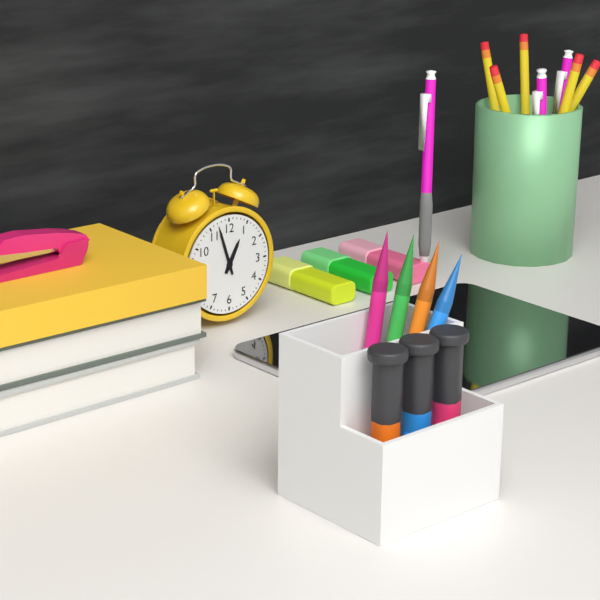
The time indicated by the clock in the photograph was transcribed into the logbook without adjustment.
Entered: 12:57
